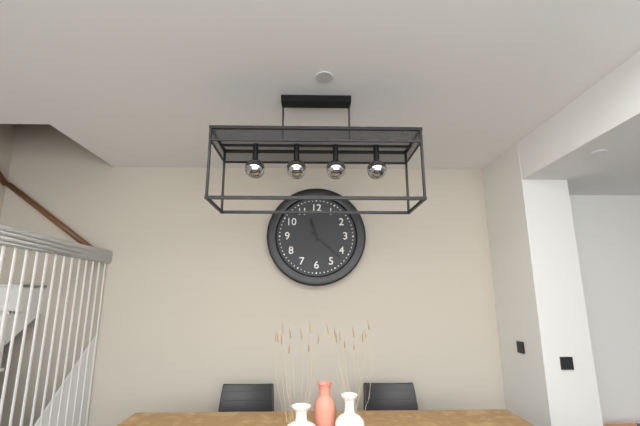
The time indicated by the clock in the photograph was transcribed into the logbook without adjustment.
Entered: 11:22
